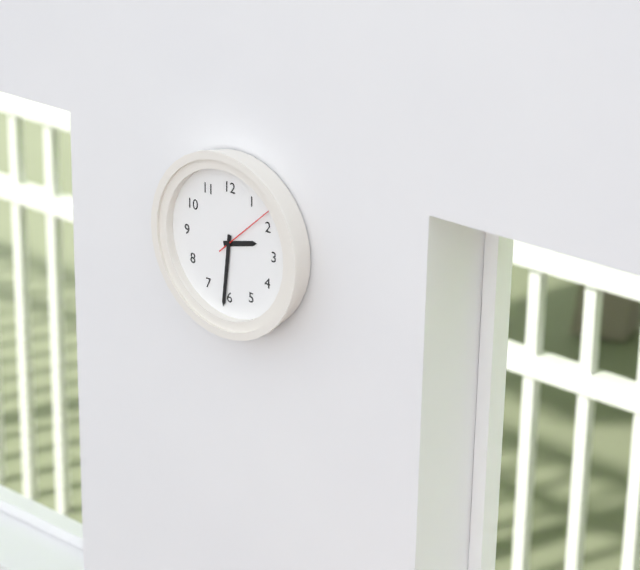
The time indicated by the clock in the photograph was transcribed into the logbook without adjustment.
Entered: 2:31:08
